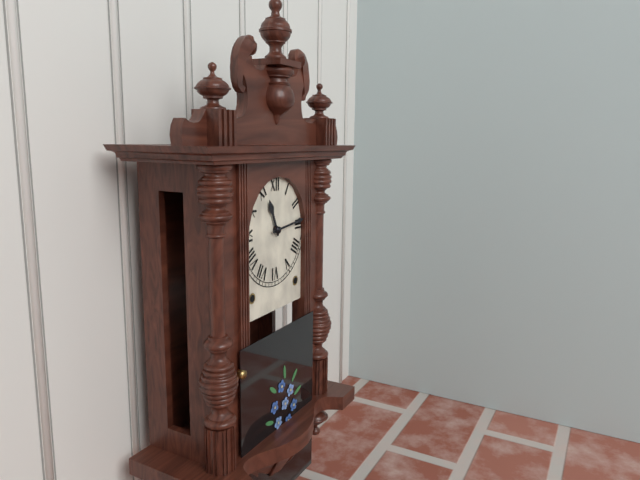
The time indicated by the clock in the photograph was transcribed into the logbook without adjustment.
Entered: 11:14
